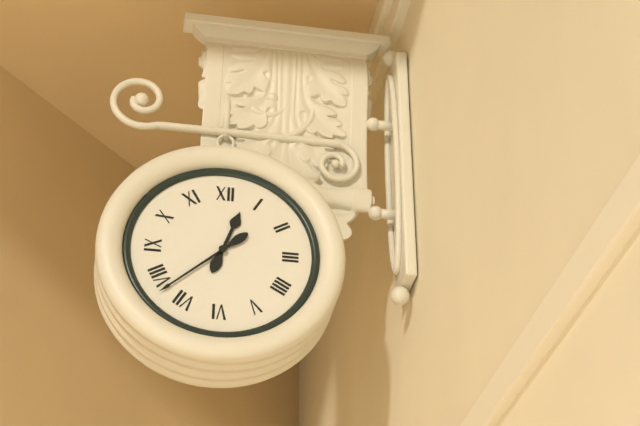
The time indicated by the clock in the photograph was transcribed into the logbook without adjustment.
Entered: 12:38
